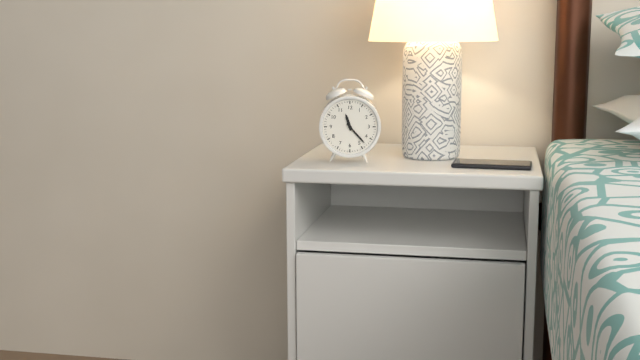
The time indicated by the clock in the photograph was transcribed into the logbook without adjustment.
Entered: 11:23
